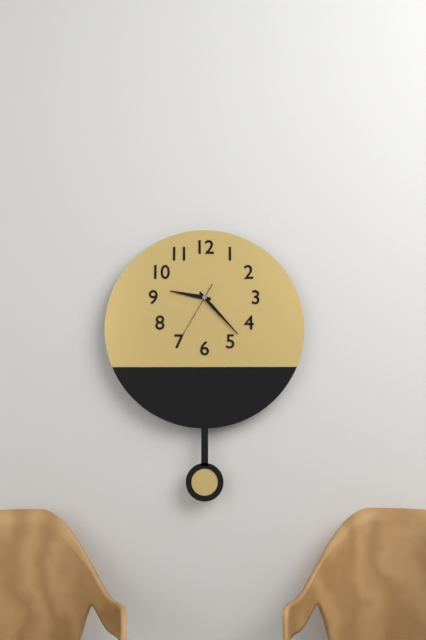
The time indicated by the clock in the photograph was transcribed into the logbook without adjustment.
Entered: 9:23:35
